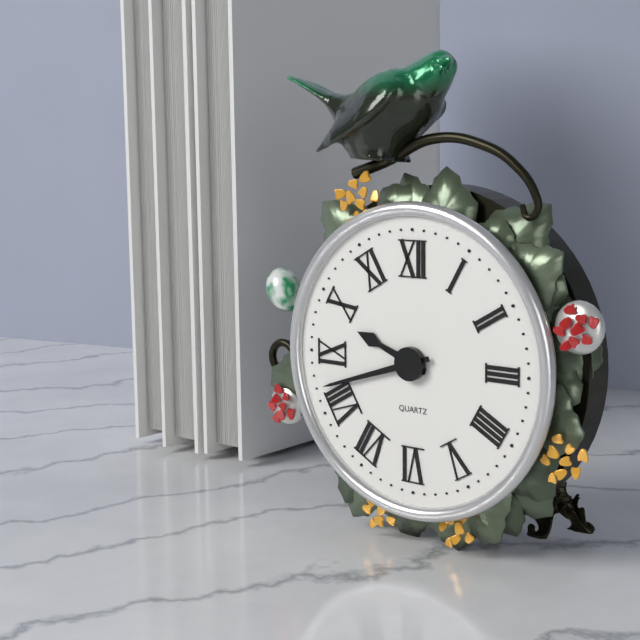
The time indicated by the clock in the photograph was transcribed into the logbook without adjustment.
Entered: 9:42
